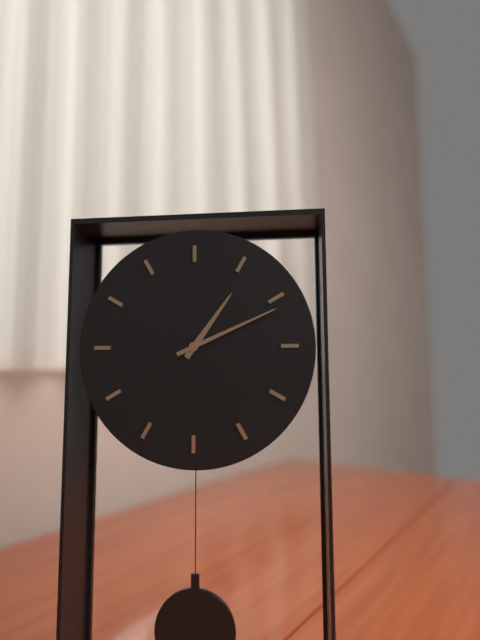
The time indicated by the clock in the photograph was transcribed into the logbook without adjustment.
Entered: 1:11
